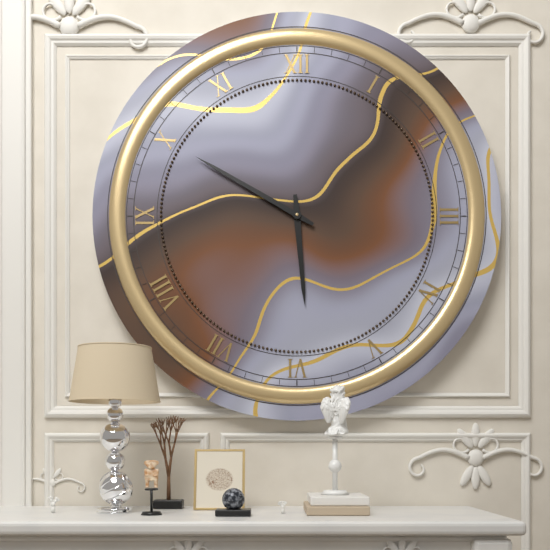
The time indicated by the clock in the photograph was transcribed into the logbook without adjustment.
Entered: 5:50
